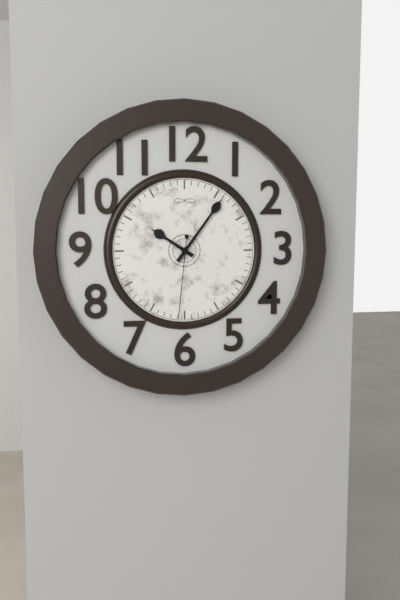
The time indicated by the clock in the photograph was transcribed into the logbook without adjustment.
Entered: 10:06:31
